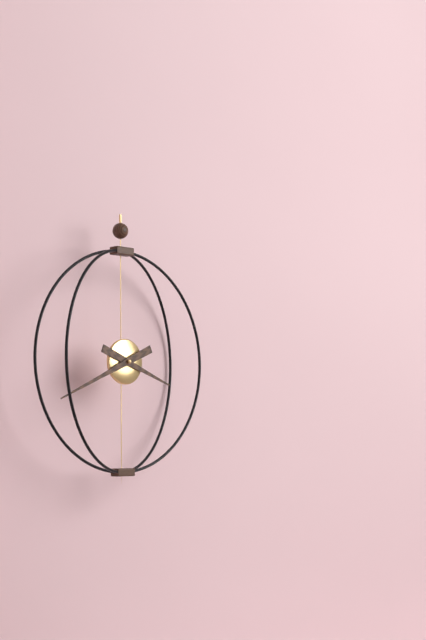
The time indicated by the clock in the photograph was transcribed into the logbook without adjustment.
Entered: 3:41
